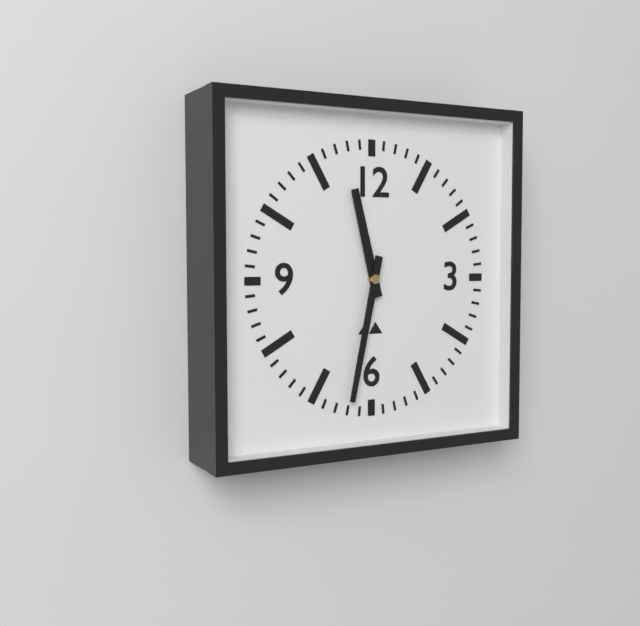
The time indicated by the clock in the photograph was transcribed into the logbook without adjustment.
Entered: 11:32
